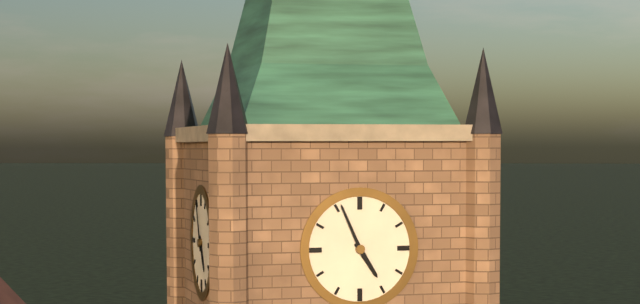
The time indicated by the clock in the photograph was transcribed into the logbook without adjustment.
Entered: 4:56
